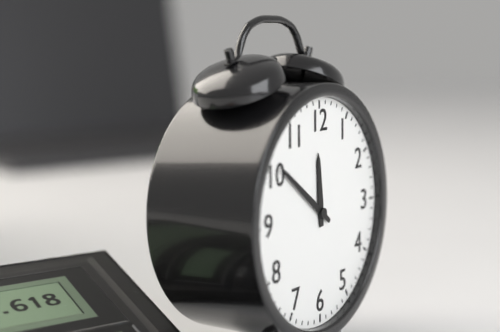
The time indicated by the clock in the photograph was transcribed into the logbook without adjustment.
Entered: 11:51
